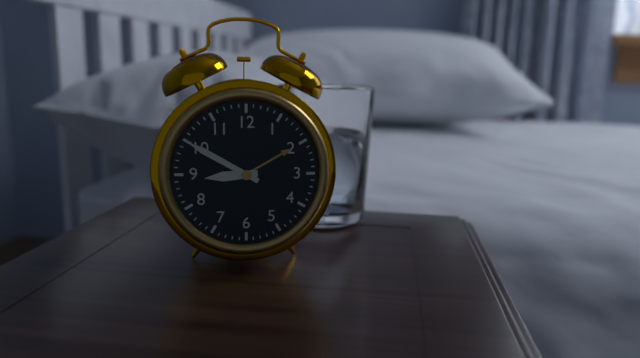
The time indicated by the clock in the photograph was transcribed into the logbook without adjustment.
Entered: 8:50
